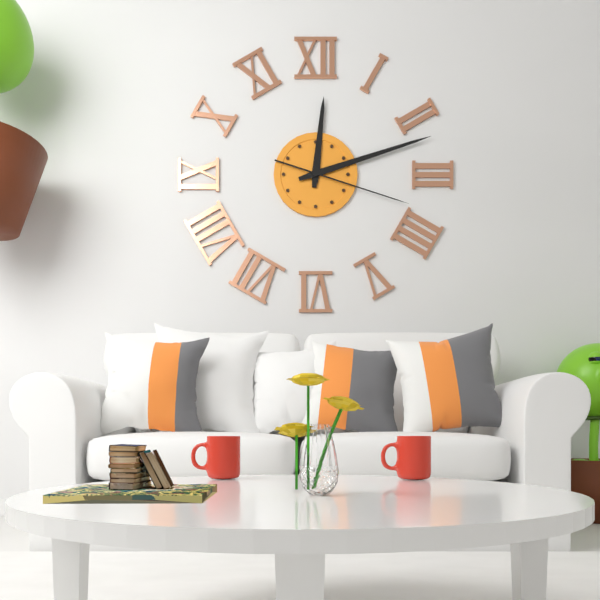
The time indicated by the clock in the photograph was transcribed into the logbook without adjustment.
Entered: 12:12:18
